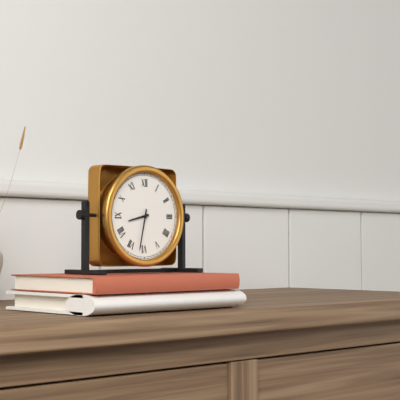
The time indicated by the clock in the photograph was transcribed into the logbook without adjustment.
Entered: 8:32
